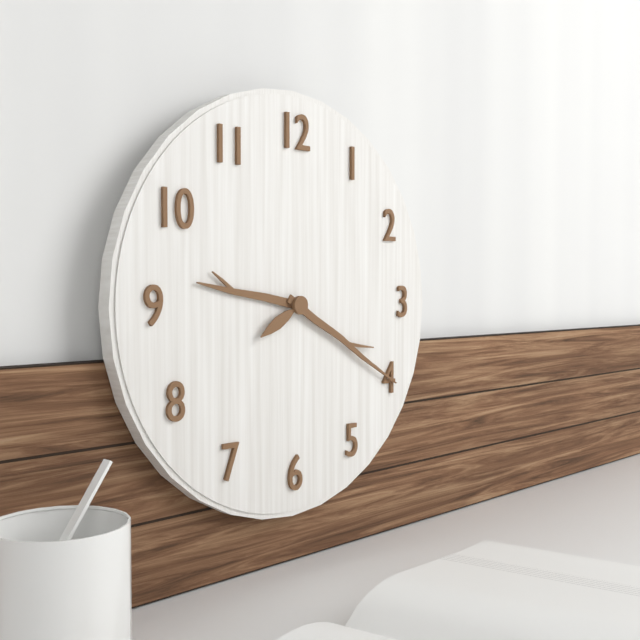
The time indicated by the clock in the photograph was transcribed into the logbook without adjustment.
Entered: 9:20:40
